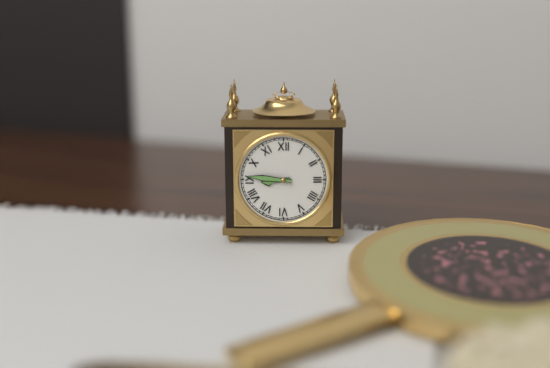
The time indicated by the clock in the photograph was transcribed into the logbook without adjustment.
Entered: 8:46
